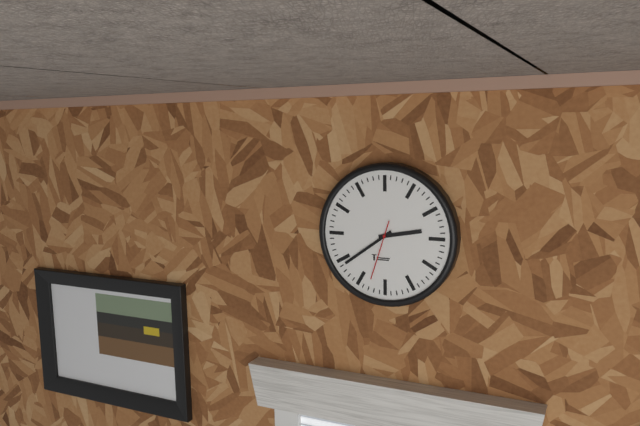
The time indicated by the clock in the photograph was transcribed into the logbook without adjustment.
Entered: 2:39:33
